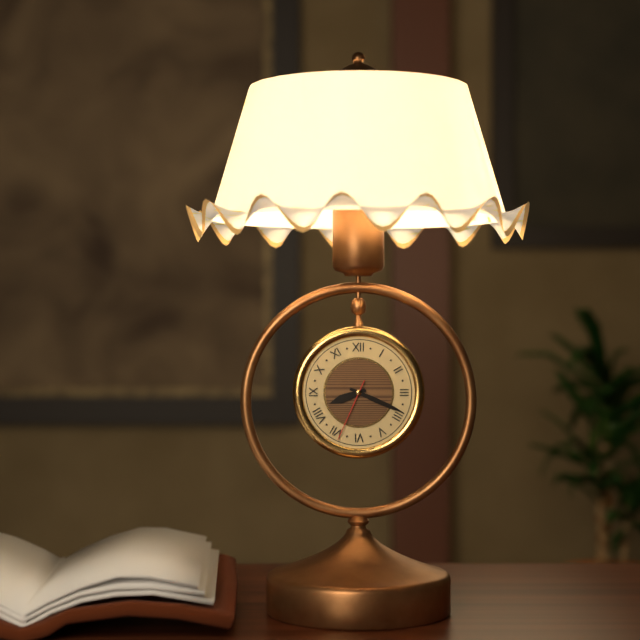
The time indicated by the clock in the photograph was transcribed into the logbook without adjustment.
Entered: 8:19:34
